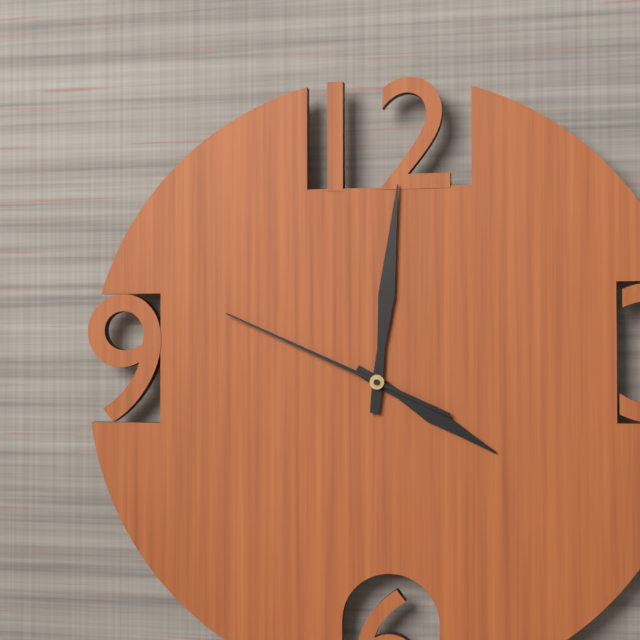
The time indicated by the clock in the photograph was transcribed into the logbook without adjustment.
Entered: 4:01:49
